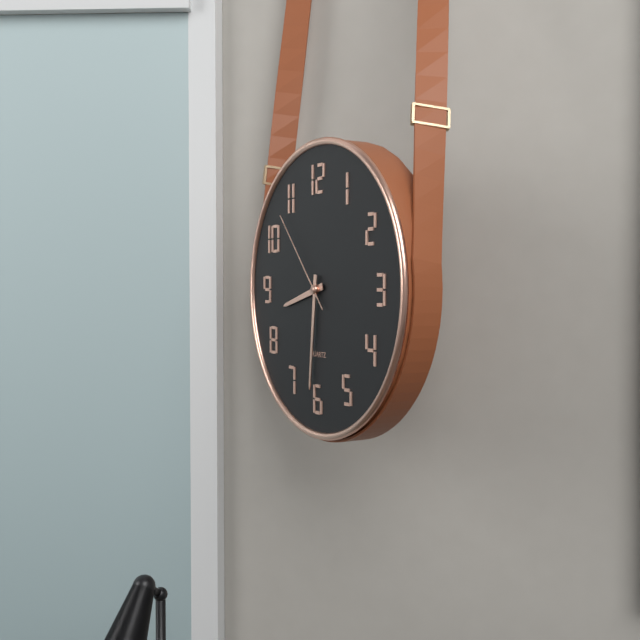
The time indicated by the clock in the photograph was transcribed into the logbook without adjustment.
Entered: 8:31:53
